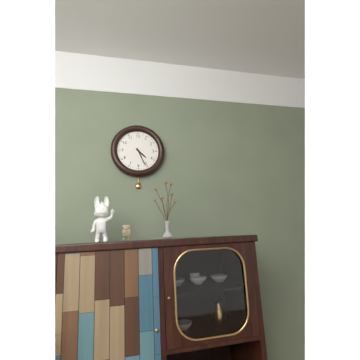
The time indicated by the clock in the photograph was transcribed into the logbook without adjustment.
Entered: 4:26
